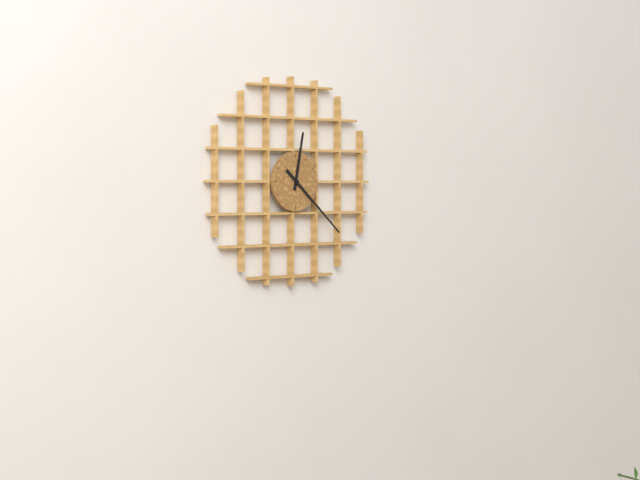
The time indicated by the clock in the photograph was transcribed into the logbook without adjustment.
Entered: 12:22
